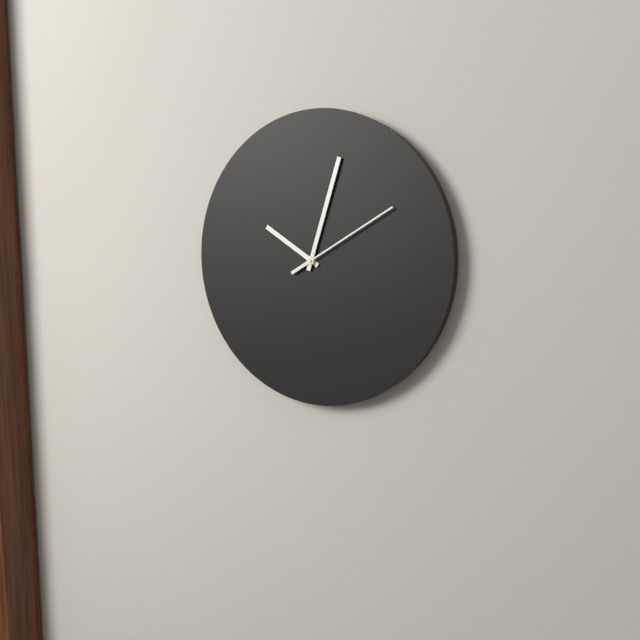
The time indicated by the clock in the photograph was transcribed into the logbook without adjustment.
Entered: 10:03:10
